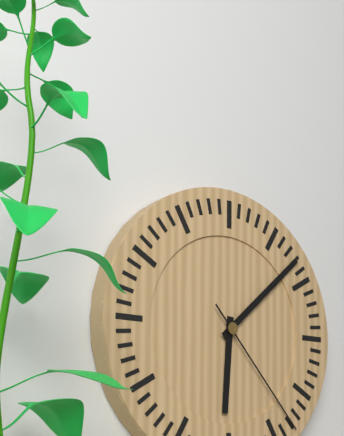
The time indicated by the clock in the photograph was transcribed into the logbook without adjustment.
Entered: 6:08:23
